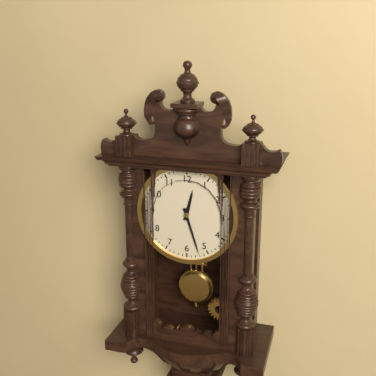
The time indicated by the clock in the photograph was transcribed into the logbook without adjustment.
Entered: 12:27
